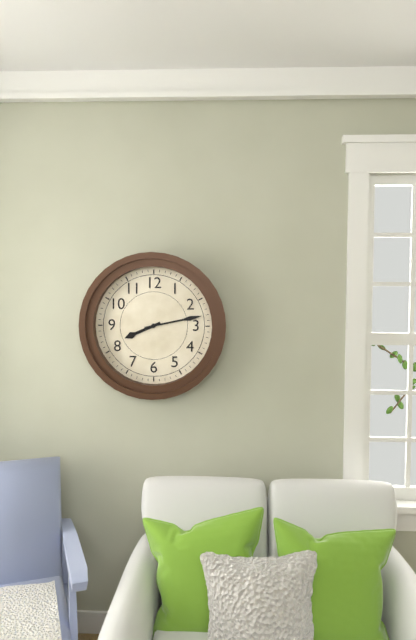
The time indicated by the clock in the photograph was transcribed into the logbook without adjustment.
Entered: 8:13
